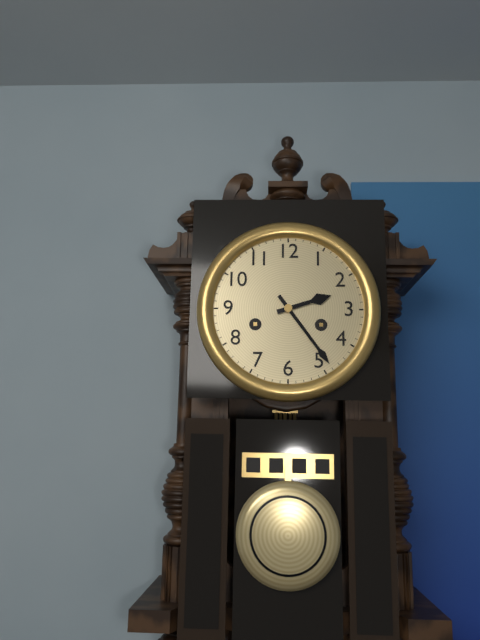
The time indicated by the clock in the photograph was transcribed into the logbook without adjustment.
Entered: 2:24
